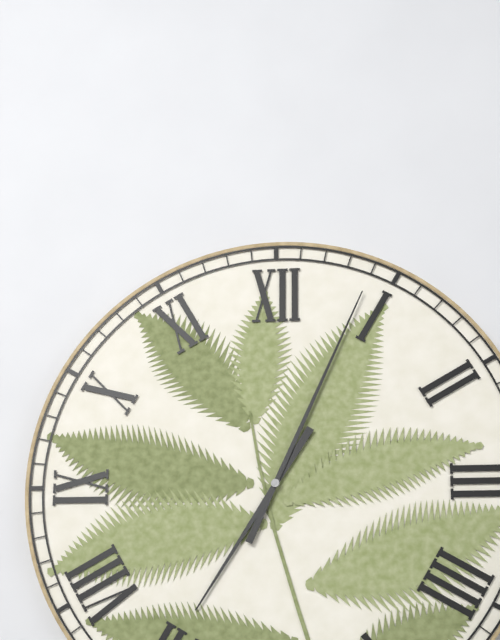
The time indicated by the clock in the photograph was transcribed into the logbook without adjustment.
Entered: 7:04
